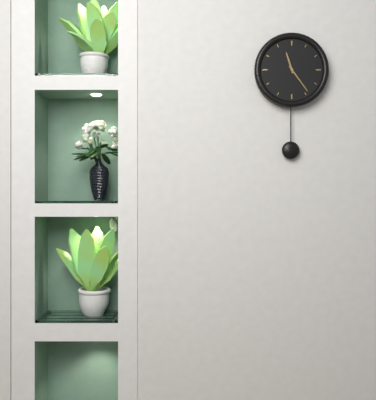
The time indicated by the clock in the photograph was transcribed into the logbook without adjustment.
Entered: 11:24
